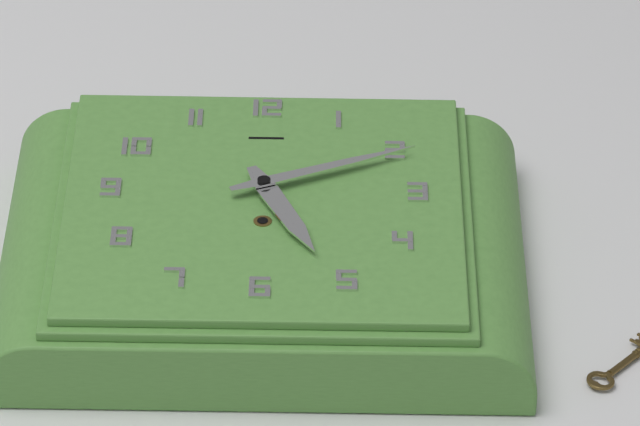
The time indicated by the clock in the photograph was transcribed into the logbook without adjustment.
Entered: 5:11
